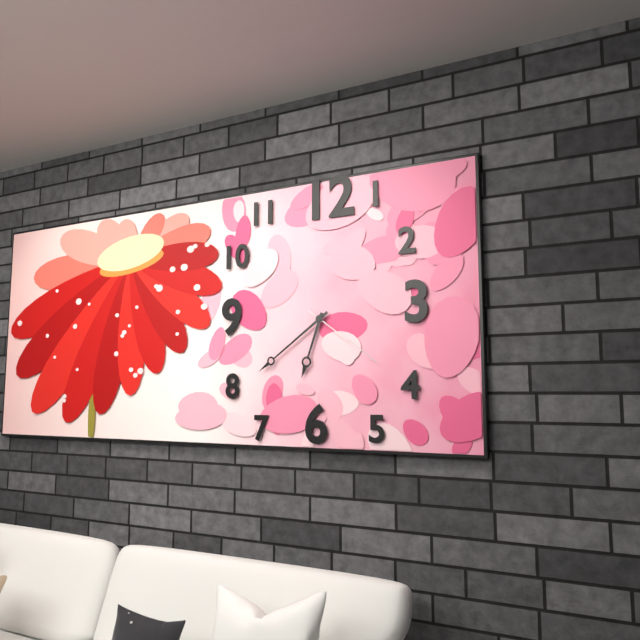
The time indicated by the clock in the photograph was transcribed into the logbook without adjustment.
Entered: 6:39:21
